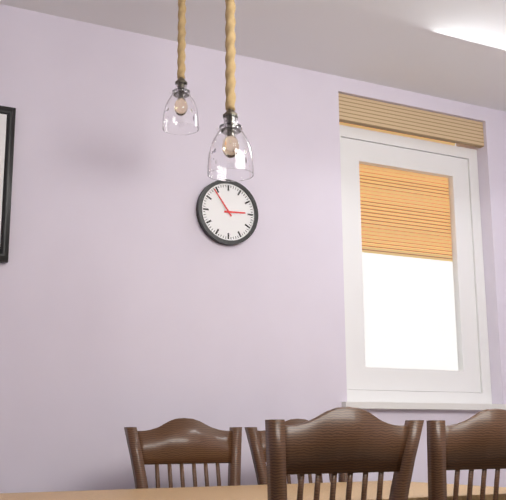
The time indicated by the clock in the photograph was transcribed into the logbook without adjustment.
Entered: 2:54
